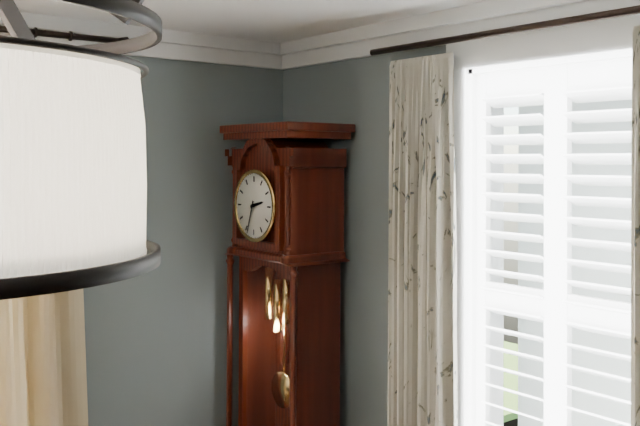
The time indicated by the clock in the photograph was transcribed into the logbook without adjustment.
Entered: 2:33
